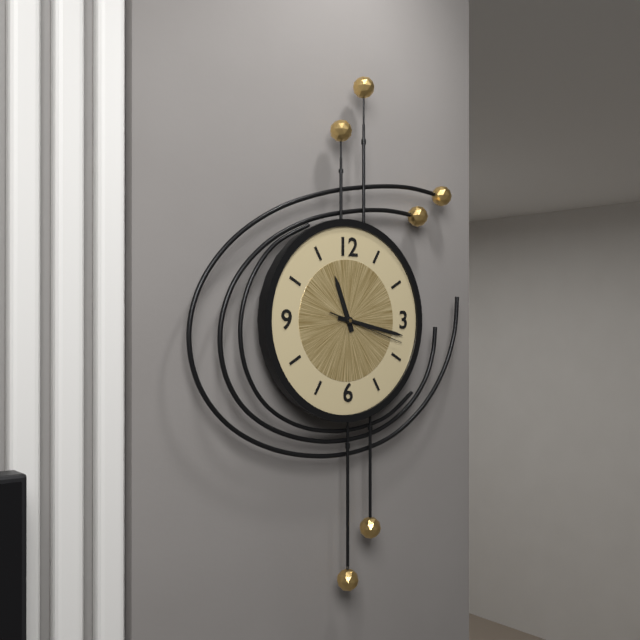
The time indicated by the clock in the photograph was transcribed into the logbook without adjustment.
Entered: 11:17:18
